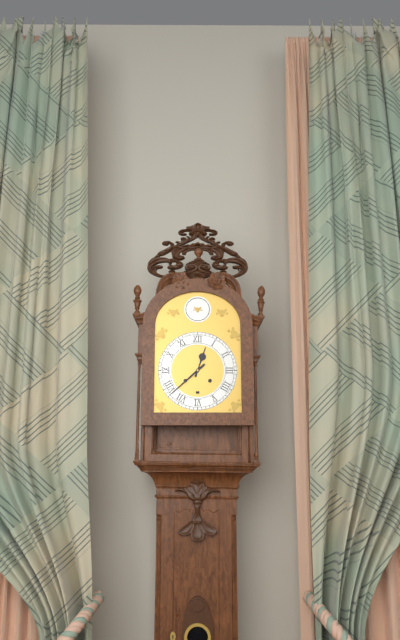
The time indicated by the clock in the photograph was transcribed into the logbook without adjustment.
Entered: 12:38
